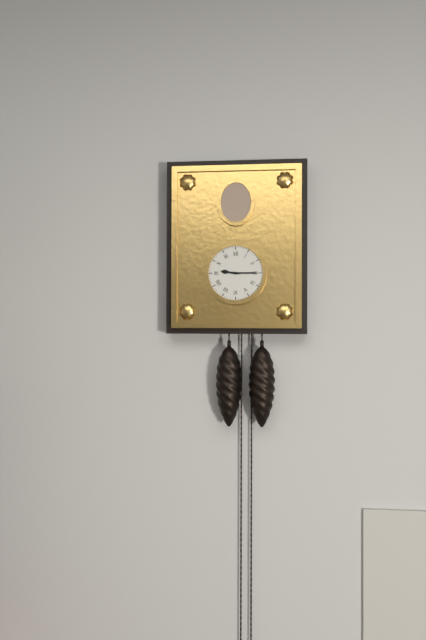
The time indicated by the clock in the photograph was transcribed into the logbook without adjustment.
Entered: 9:15
